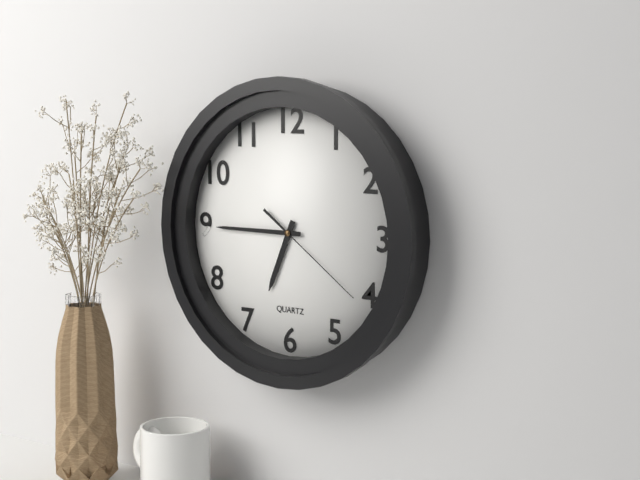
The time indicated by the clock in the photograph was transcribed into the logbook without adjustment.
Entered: 6:45:21
